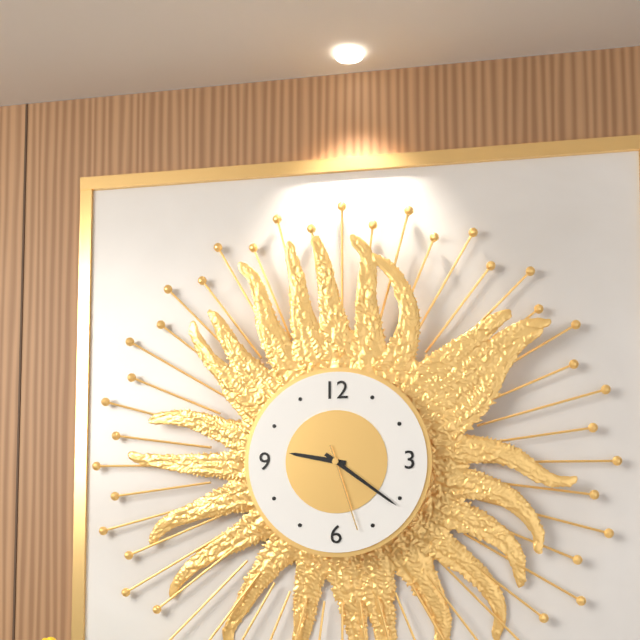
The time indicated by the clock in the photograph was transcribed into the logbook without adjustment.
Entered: 9:21:27
